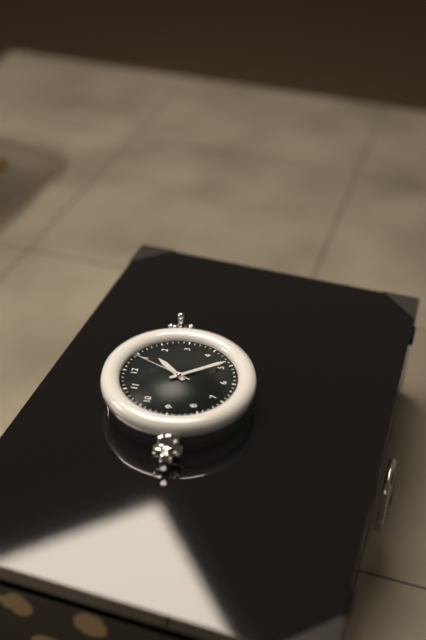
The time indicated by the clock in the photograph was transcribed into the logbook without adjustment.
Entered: 1:24:04
